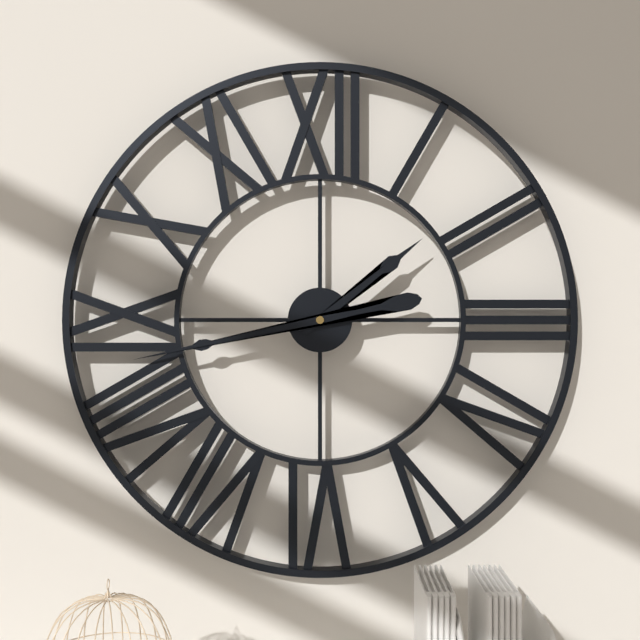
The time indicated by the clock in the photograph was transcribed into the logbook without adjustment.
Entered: 1:43
